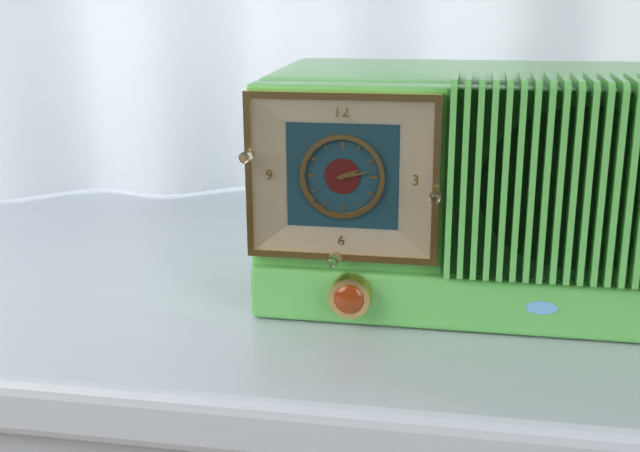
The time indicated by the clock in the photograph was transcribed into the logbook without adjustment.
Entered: 2:13
